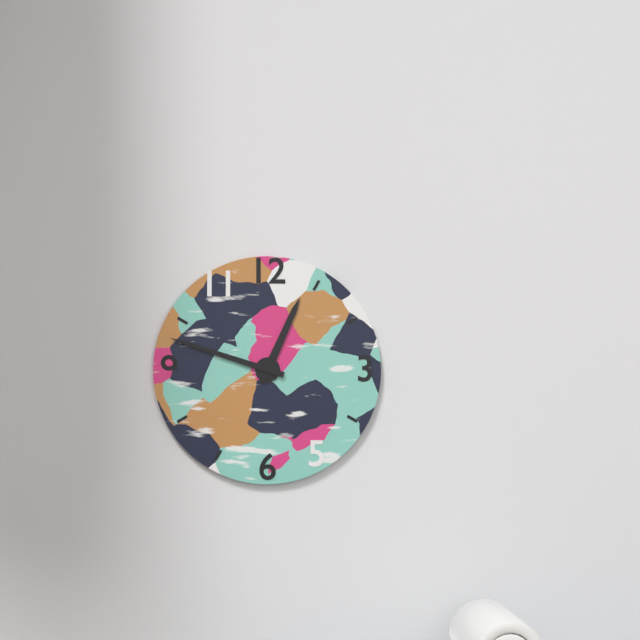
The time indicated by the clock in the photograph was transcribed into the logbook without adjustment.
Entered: 12:48
